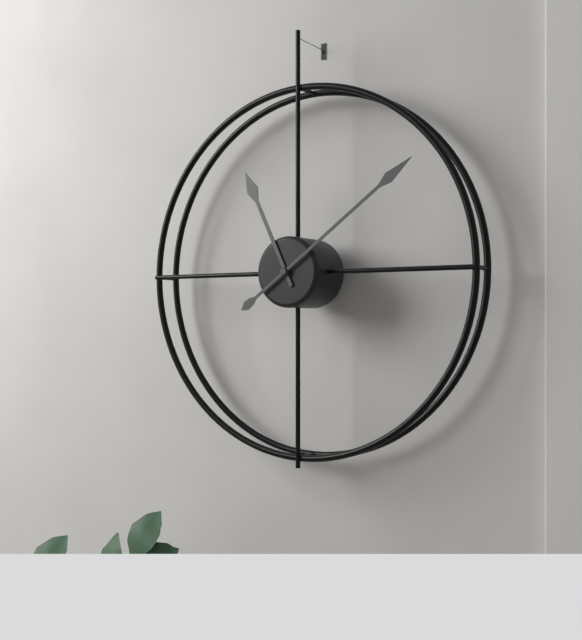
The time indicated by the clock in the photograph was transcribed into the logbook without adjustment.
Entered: 11:09
